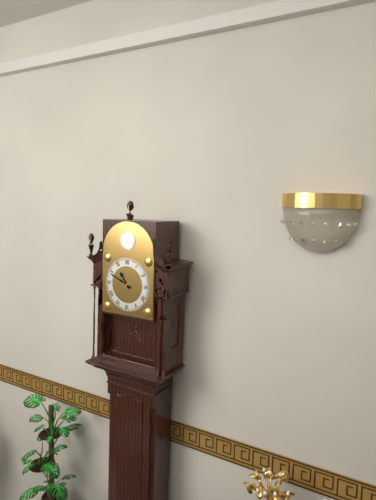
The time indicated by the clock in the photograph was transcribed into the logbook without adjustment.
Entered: 10:49
